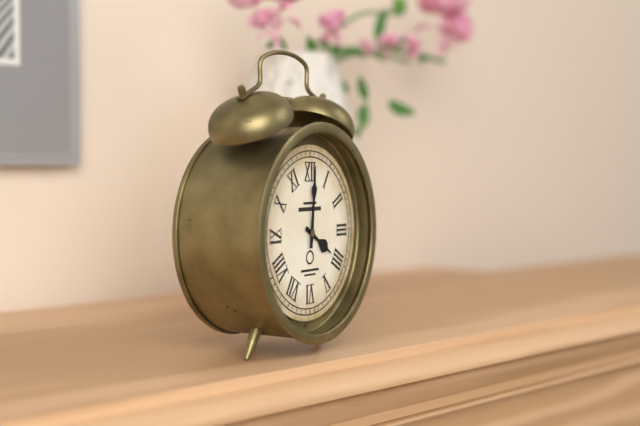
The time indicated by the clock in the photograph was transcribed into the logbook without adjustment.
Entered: 4:01
